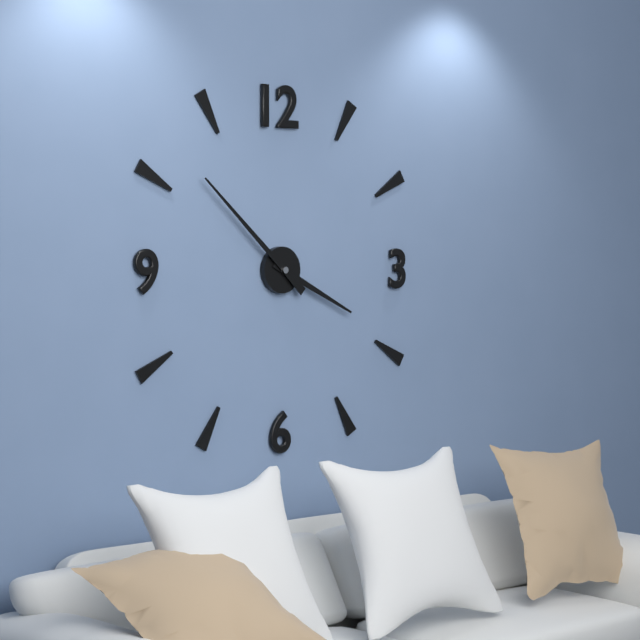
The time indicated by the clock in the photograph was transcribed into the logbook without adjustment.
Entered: 3:52
